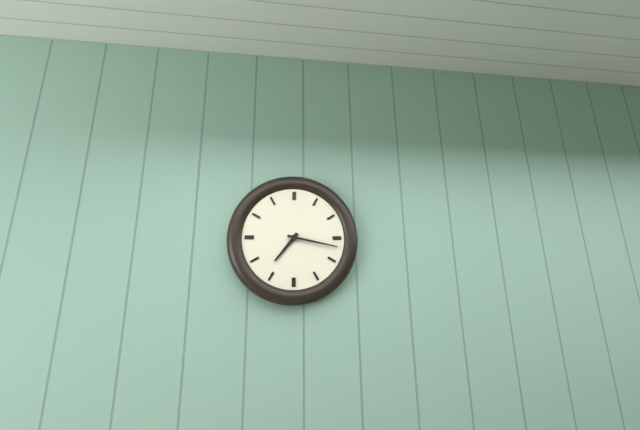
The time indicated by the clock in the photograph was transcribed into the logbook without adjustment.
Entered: 7:17
